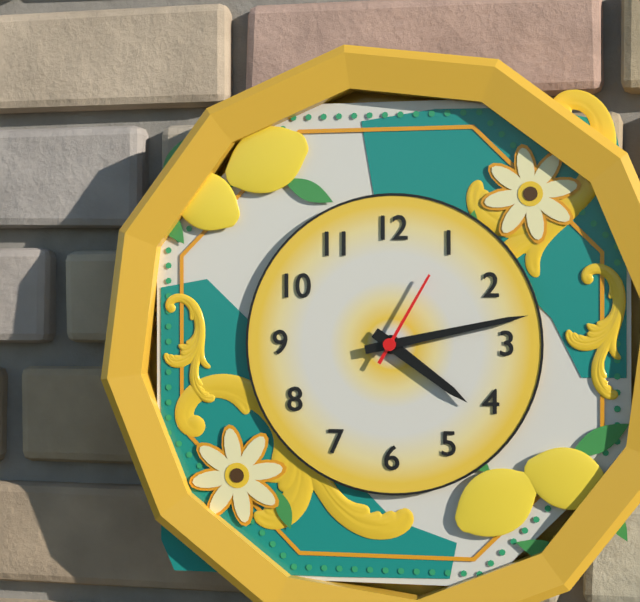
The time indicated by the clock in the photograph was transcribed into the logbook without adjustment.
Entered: 4:13:05
